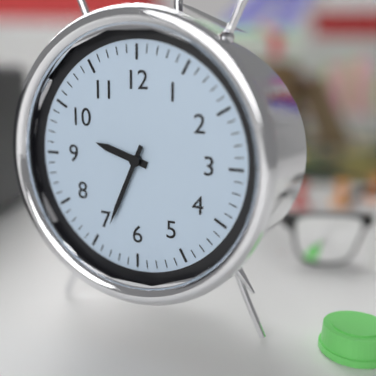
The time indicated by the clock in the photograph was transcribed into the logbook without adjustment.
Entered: 9:34
